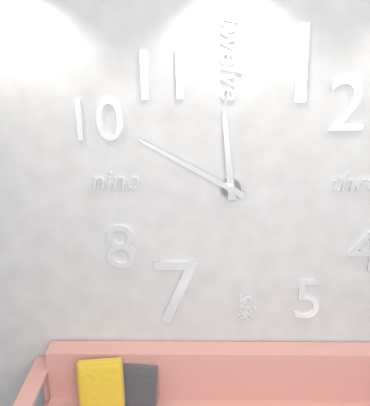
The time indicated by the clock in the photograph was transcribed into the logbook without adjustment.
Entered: 11:50
